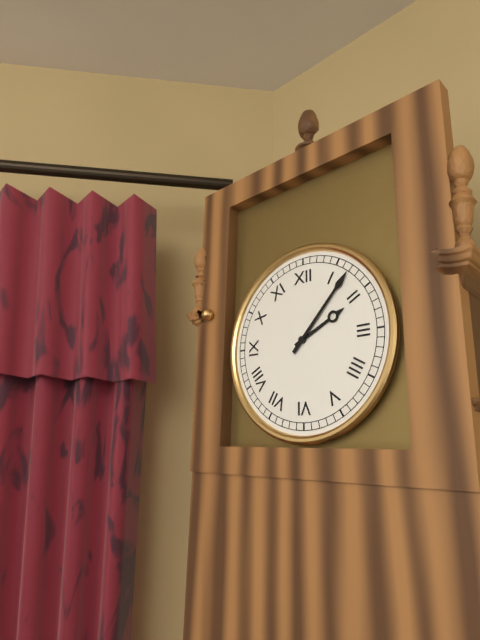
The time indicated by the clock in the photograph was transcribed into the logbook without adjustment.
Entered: 2:07
